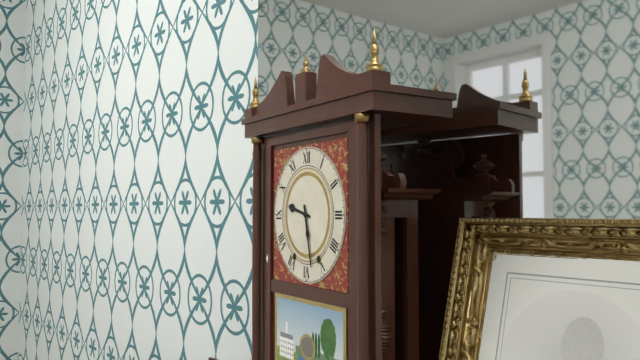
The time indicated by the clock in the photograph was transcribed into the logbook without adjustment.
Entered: 9:28
